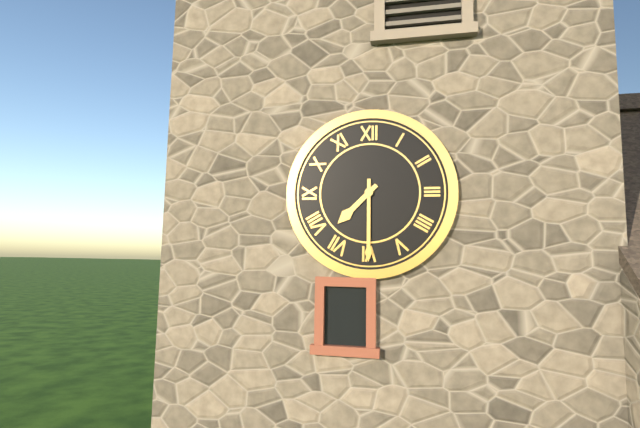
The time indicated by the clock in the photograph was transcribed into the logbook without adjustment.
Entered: 7:30
